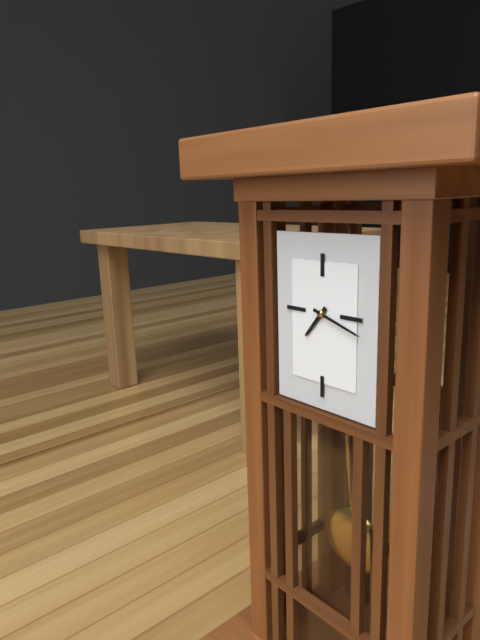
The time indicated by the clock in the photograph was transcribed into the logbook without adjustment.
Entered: 7:18
